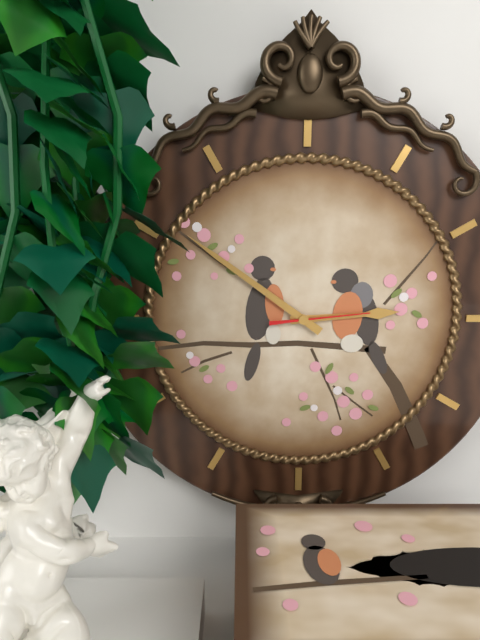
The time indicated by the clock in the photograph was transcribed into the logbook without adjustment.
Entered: 2:51:14
